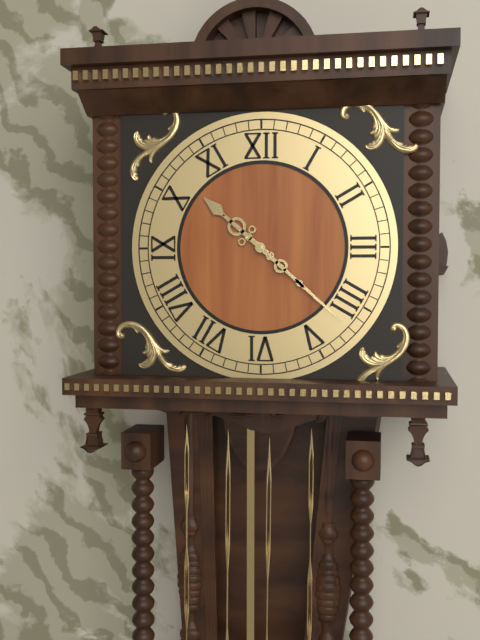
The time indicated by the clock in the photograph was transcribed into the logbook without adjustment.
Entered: 10:22
